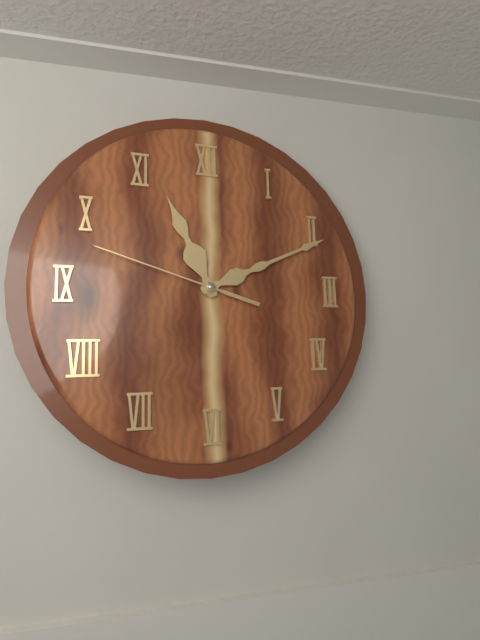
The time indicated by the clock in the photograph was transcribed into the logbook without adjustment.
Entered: 11:11:48
